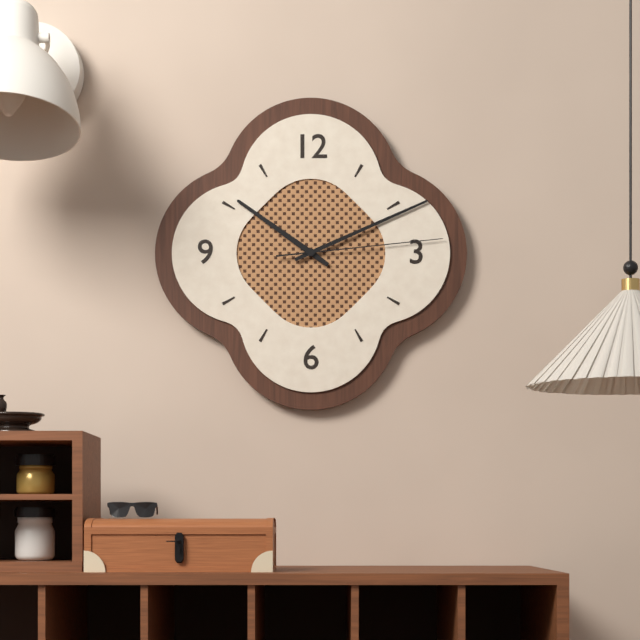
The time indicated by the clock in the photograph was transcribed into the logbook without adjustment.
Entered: 10:11:14
